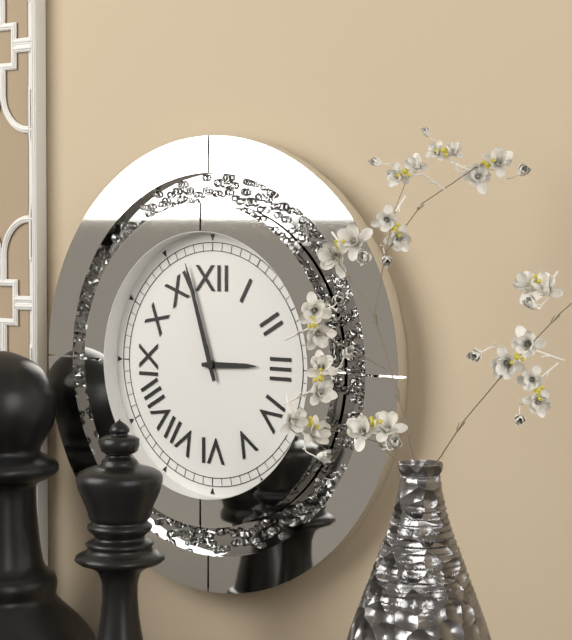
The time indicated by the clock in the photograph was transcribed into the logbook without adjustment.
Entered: 2:57
